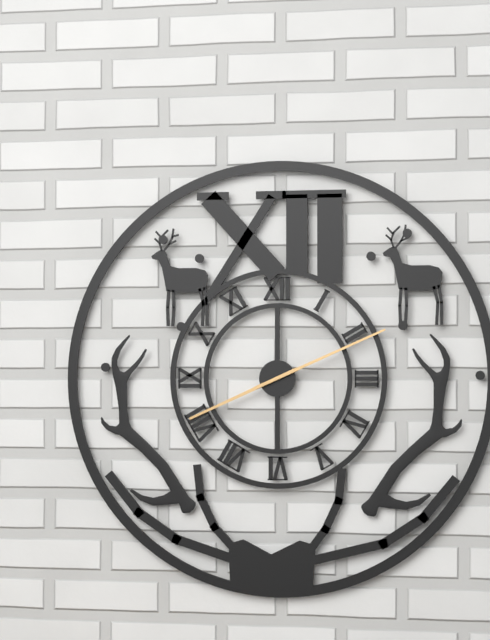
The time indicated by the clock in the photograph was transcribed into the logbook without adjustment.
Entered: 8:11
